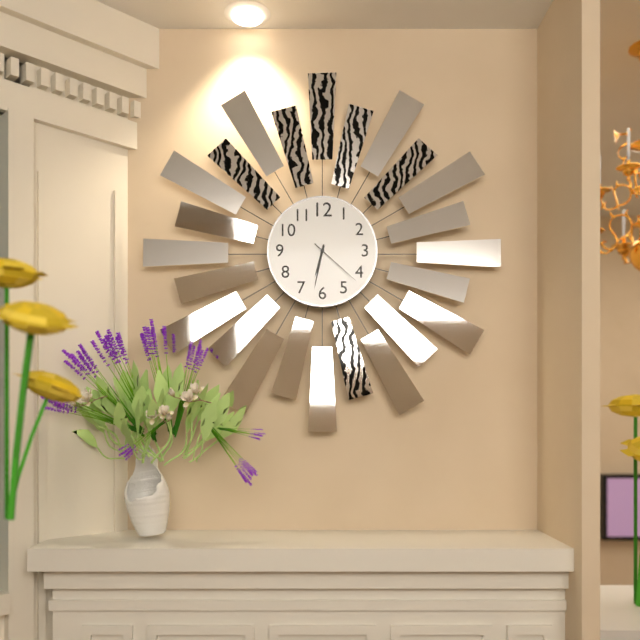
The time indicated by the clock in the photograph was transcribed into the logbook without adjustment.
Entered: 6:32:22
